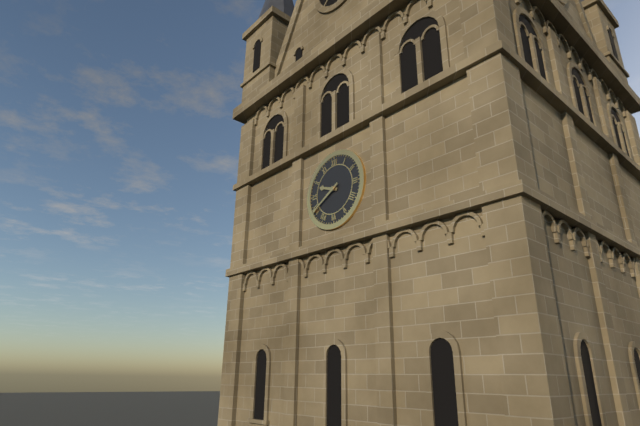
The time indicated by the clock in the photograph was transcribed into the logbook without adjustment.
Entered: 9:40
